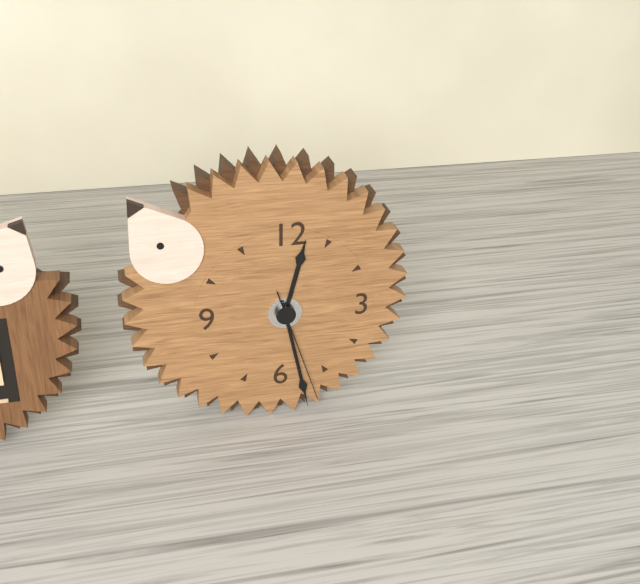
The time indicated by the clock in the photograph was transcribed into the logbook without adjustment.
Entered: 12:28:27
